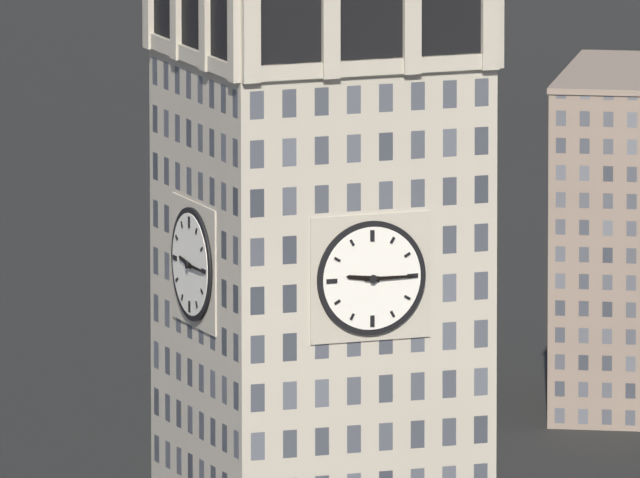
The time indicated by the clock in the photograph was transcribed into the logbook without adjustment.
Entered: 9:15
